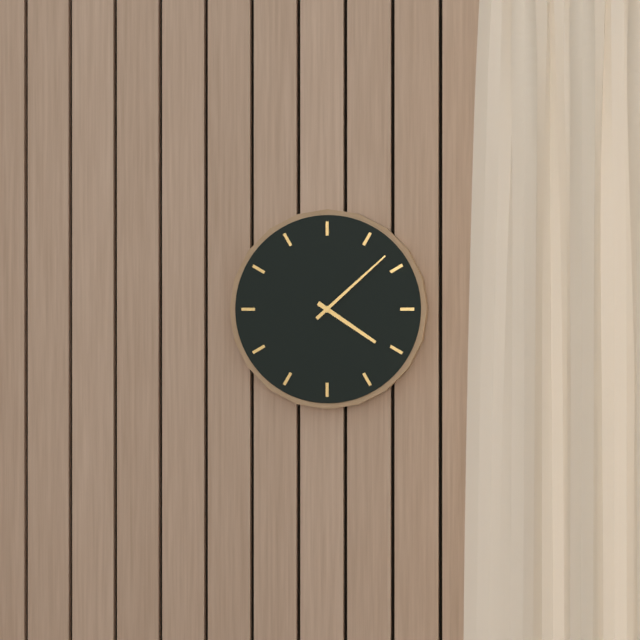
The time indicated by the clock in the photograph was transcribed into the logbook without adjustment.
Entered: 4:08
